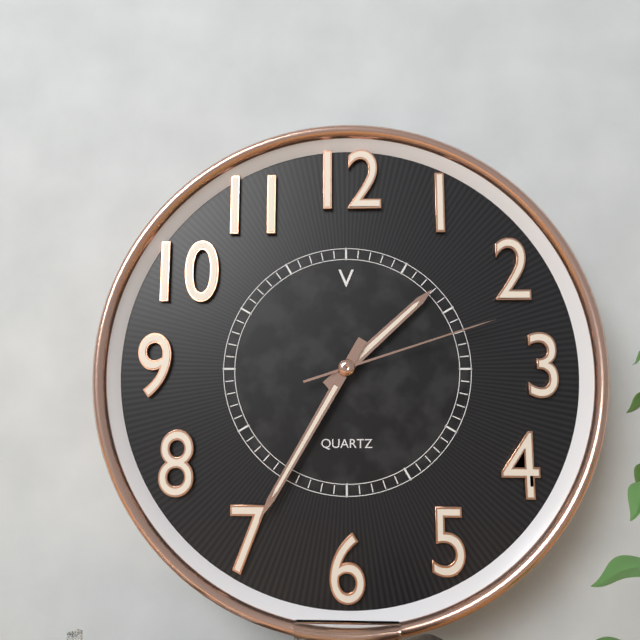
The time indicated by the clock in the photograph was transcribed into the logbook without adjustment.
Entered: 1:35:12
